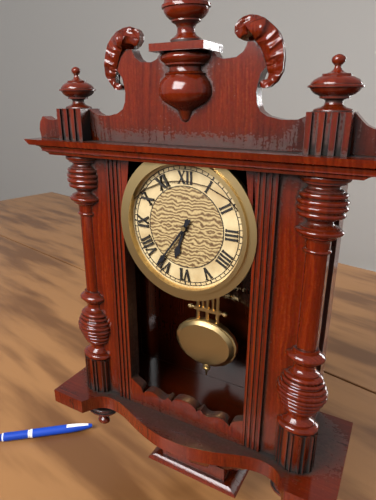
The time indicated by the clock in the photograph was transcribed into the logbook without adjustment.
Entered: 6:36
